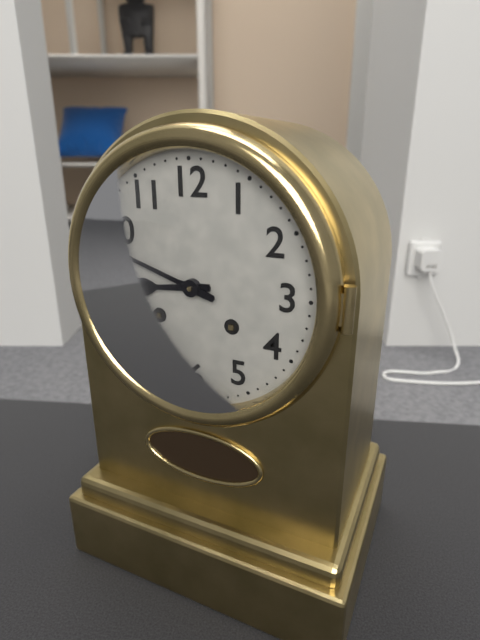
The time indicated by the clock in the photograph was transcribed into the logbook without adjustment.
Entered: 8:48
